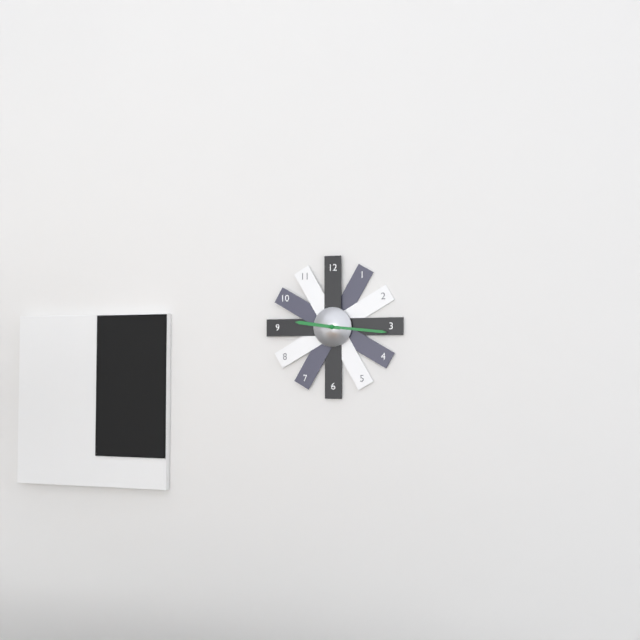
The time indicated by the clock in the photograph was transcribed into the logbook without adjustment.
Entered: 9:16
